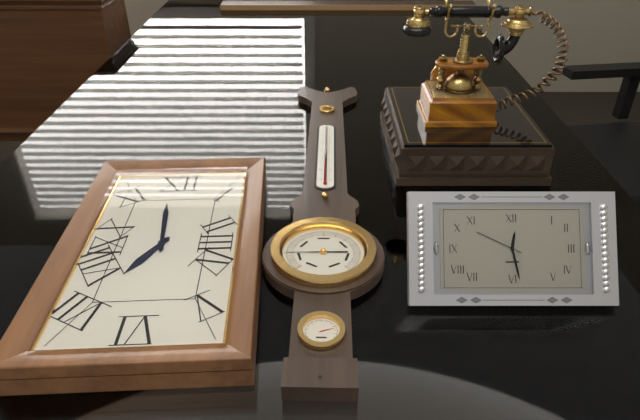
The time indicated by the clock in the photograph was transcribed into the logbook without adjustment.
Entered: 6:59
